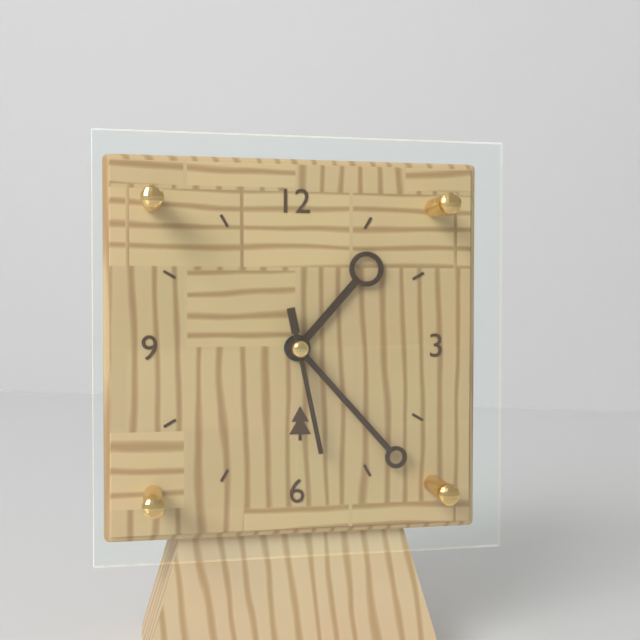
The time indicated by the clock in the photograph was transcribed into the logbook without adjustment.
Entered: 1:23:28
